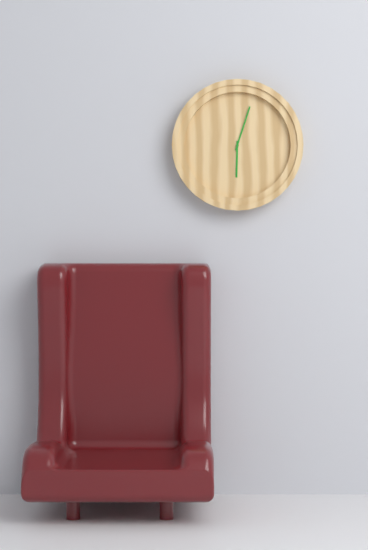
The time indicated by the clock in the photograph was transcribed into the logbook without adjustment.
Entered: 6:03
